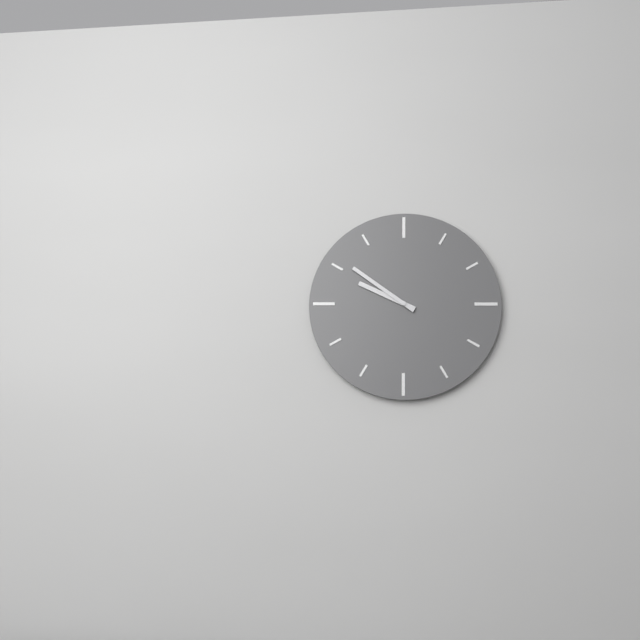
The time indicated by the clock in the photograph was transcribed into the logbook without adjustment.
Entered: 9:51
